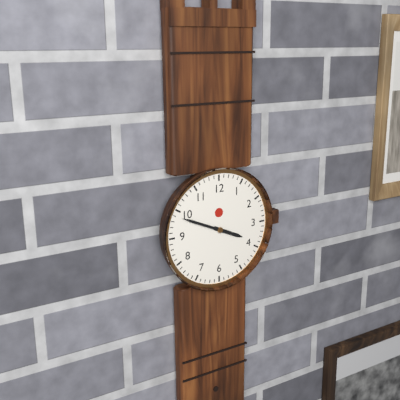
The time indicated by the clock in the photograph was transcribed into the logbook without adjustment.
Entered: 3:49
